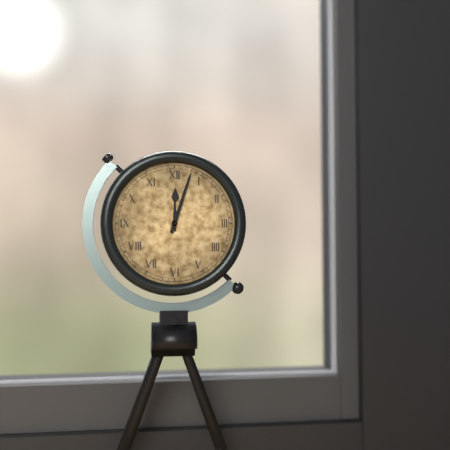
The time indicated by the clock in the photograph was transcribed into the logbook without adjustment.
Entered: 12:03
